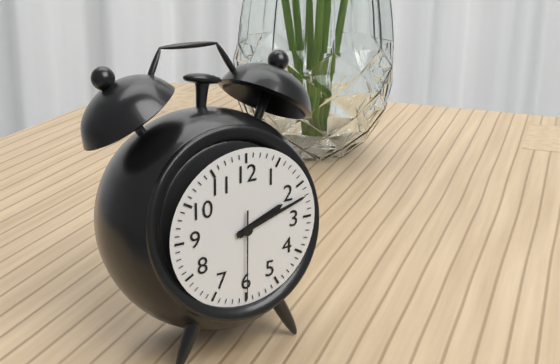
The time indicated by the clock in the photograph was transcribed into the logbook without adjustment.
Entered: 2:12:30
